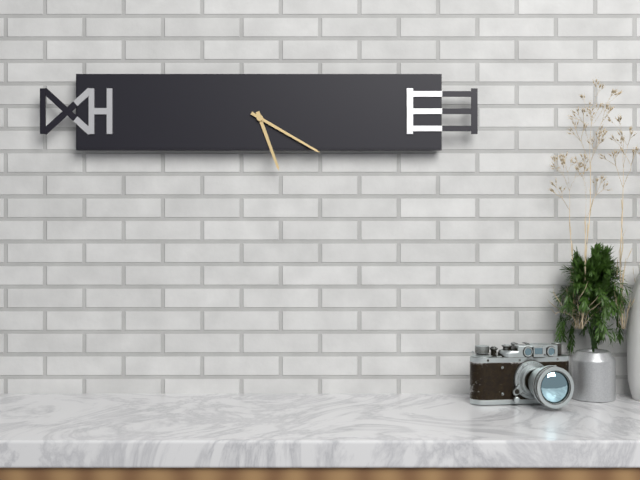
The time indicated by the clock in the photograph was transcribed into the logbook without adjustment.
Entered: 5:20
